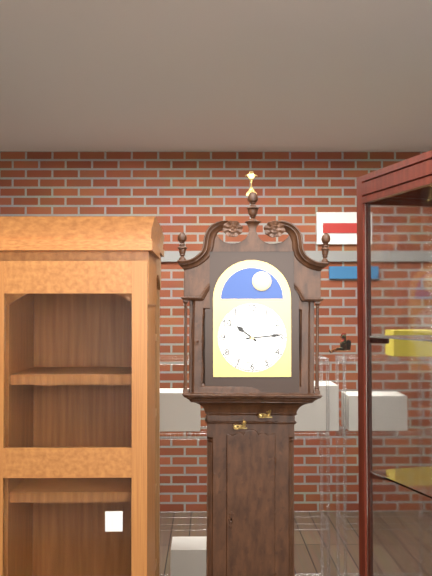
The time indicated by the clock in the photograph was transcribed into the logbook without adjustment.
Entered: 10:14
